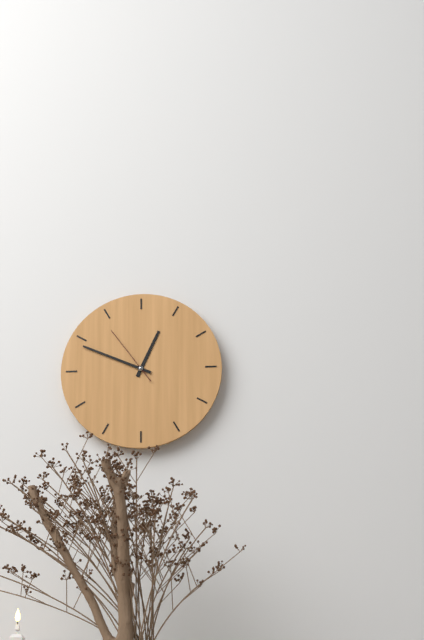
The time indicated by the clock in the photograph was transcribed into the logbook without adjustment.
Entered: 12:49:54
